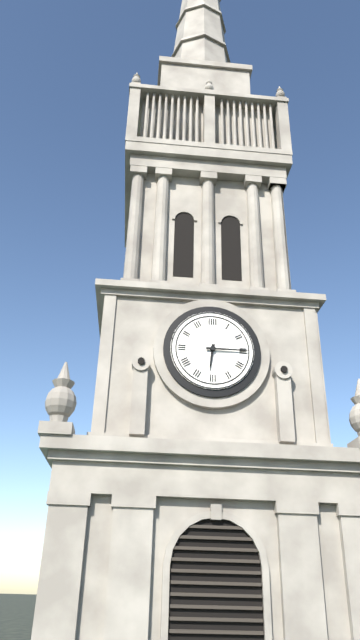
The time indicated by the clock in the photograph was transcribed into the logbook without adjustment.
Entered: 6:15
